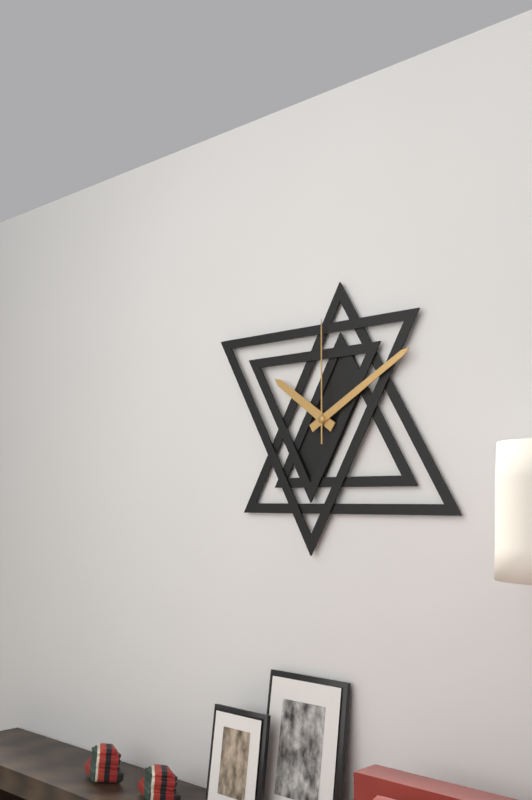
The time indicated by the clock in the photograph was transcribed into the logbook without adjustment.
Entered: 10:10:00
